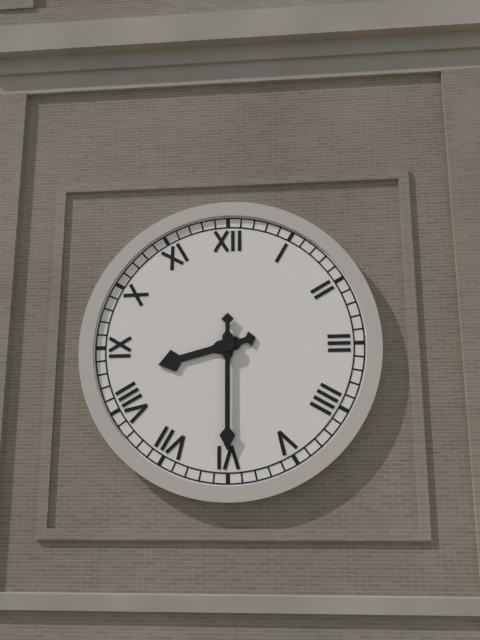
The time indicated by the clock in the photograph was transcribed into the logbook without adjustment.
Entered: 8:30
